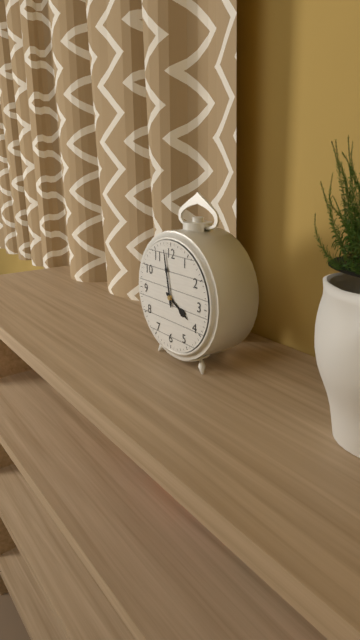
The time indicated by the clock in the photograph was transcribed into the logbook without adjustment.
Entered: 3:58
